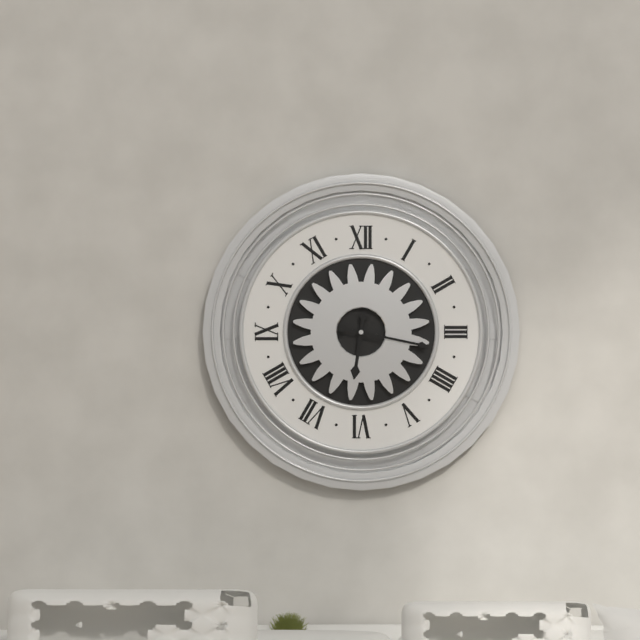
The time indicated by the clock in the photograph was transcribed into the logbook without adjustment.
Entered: 6:17
